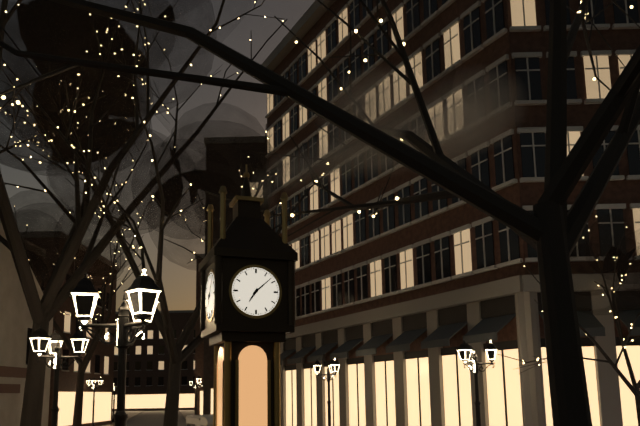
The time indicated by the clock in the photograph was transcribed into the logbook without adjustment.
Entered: 7:08
